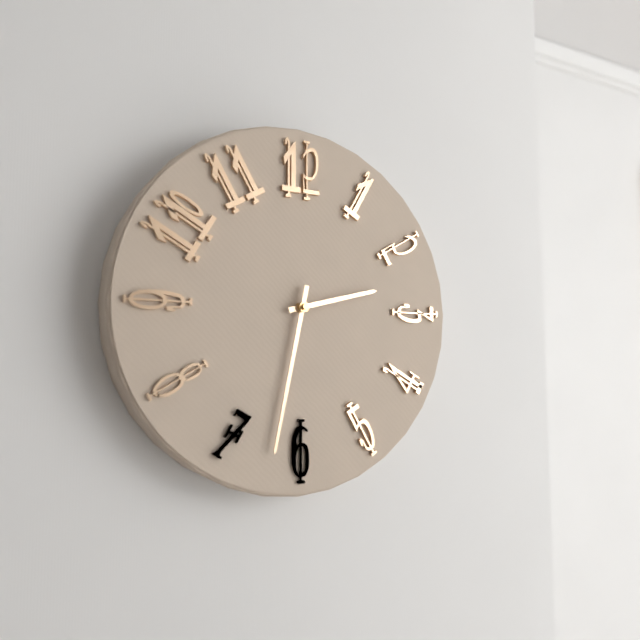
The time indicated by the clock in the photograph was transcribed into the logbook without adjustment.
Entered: 2:32
